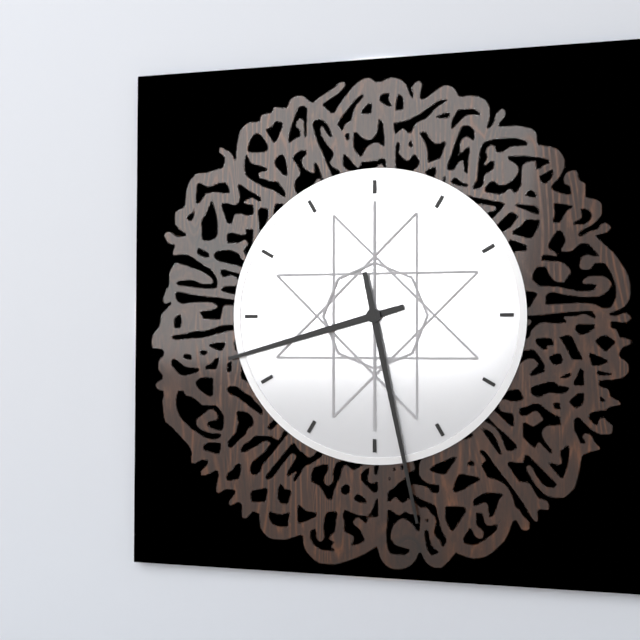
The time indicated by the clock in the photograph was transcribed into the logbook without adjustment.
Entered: 8:28
